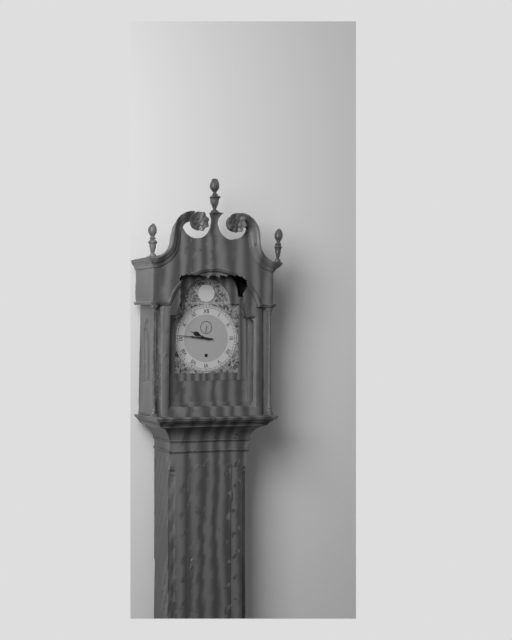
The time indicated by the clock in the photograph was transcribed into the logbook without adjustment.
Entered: 9:46
